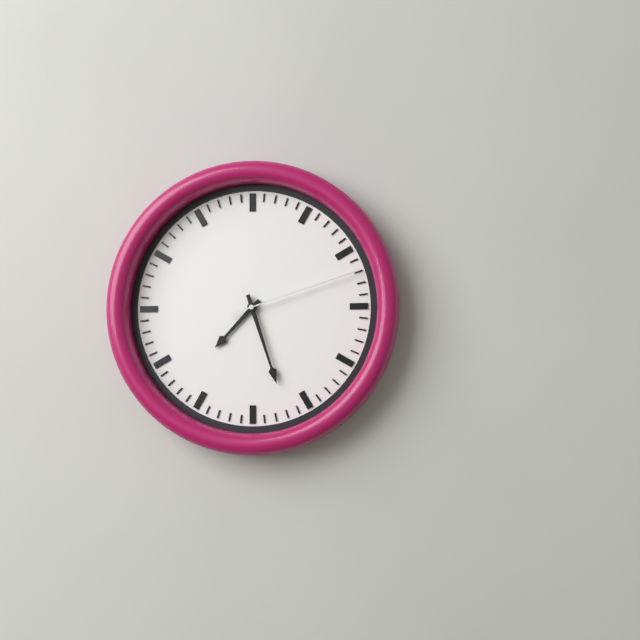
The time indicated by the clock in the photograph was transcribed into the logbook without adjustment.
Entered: 7:27:12
